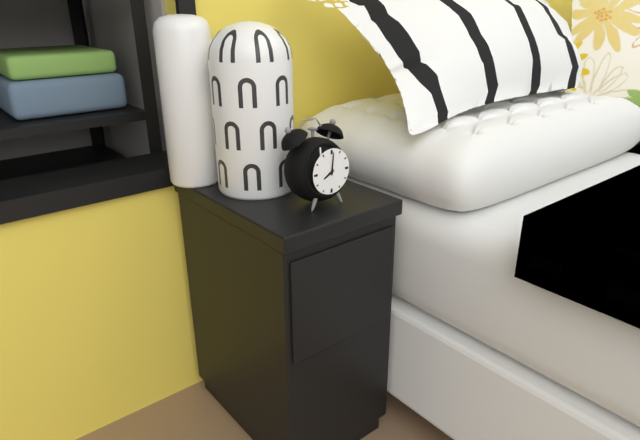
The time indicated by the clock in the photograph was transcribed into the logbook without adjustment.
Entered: 8:01
